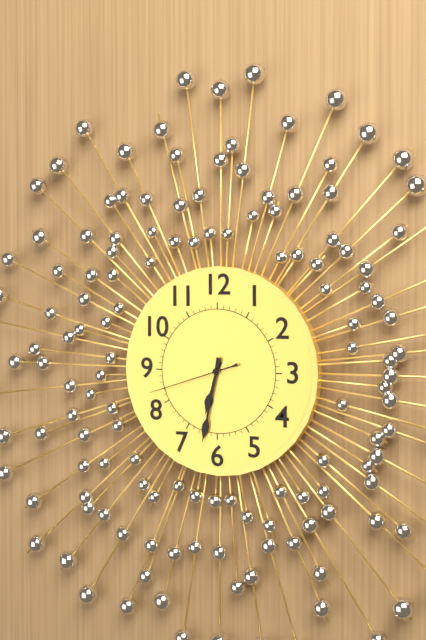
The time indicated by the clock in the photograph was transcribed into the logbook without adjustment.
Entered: 6:32:42
